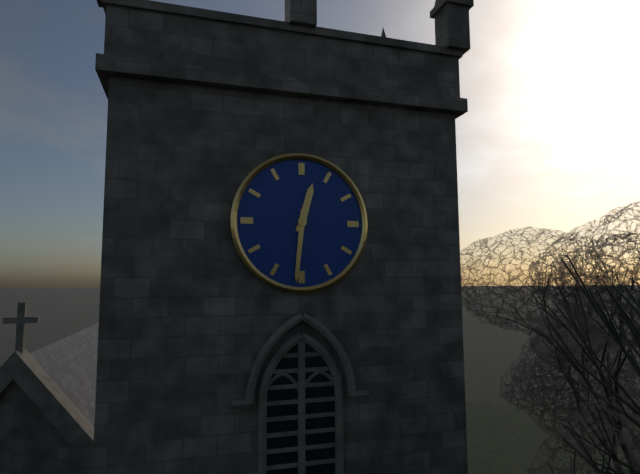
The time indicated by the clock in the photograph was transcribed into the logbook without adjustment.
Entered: 12:31
